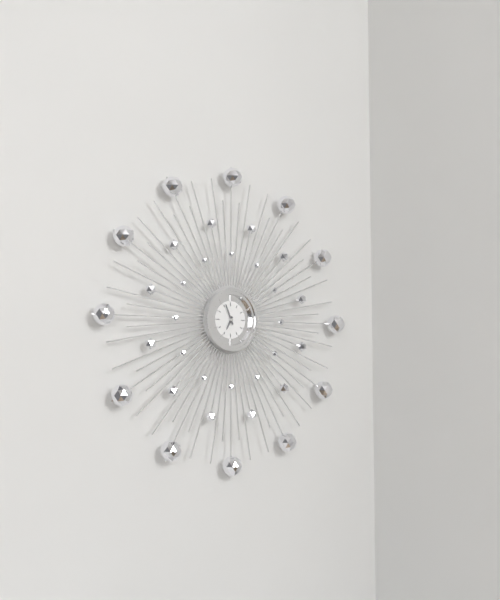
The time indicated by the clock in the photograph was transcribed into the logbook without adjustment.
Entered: 6:56
